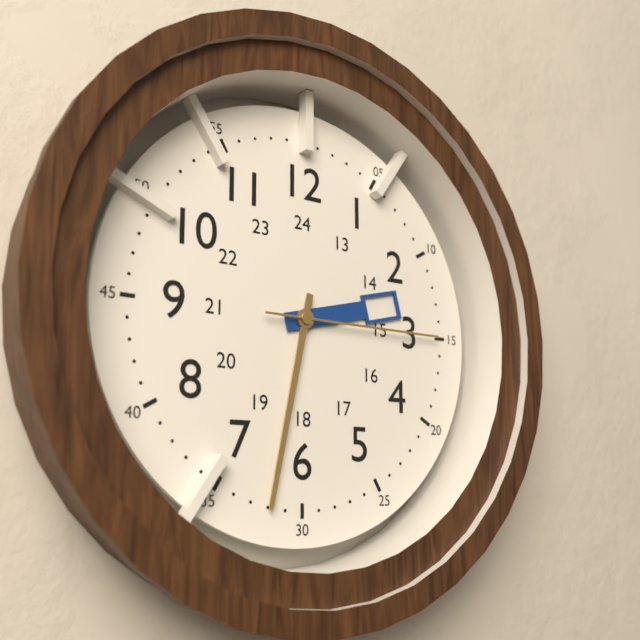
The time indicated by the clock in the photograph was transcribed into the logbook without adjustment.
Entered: 2:32:15
